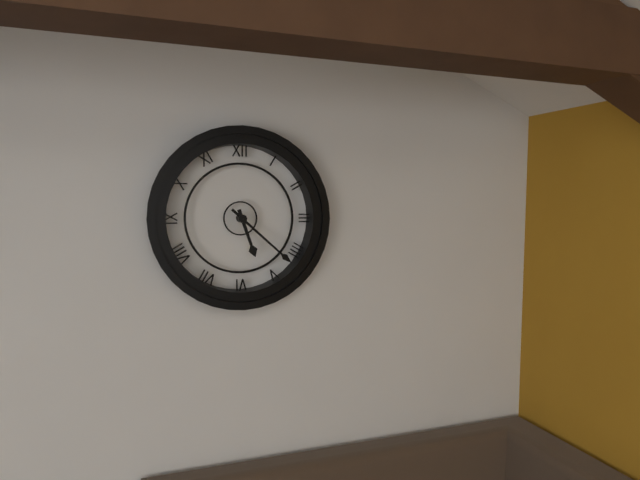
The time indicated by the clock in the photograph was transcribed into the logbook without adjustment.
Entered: 5:22
